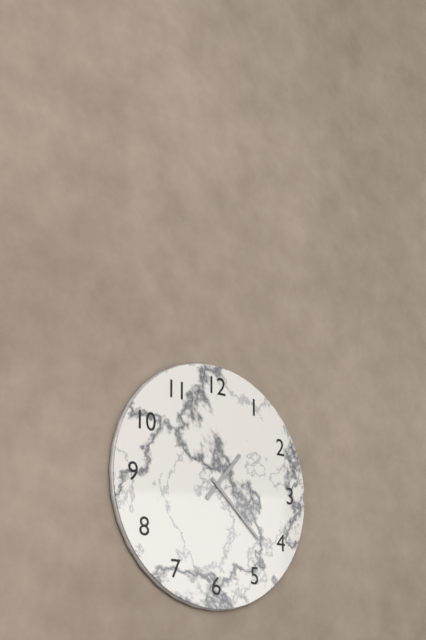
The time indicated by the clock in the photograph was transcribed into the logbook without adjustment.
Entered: 1:22
